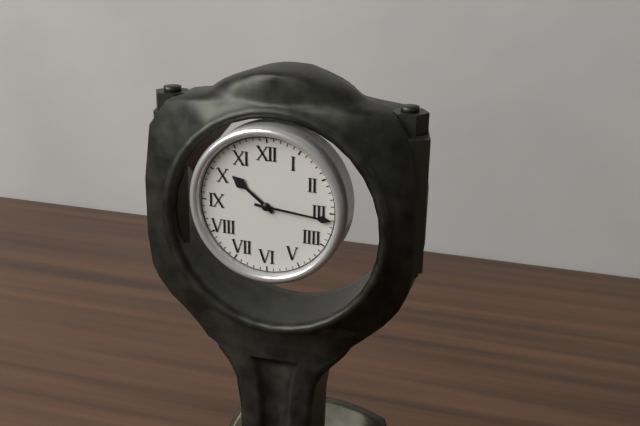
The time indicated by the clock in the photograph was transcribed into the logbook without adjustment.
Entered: 10:16
